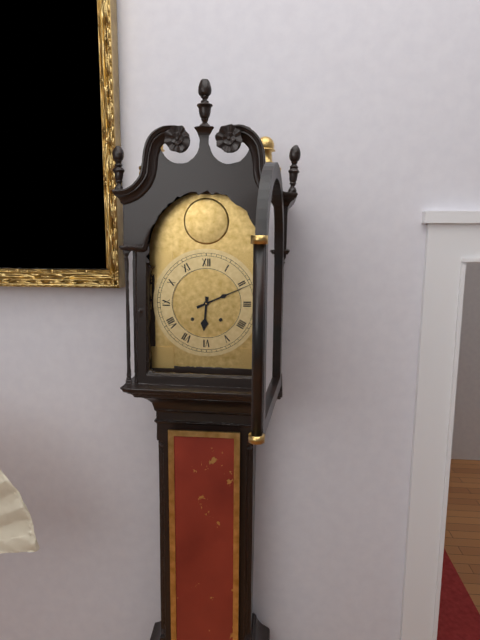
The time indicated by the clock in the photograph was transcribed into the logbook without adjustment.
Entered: 6:11
